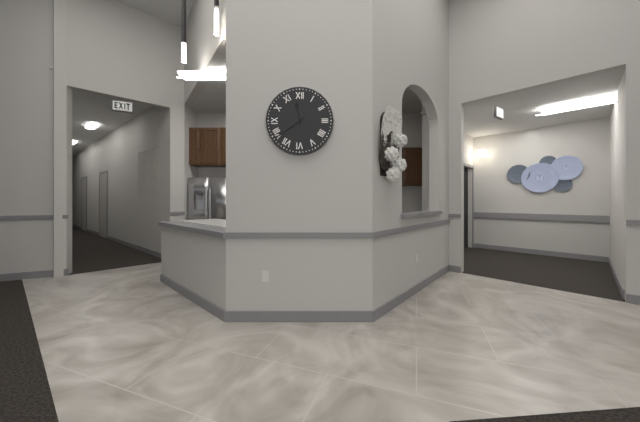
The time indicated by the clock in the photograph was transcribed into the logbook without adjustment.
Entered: 11:39
